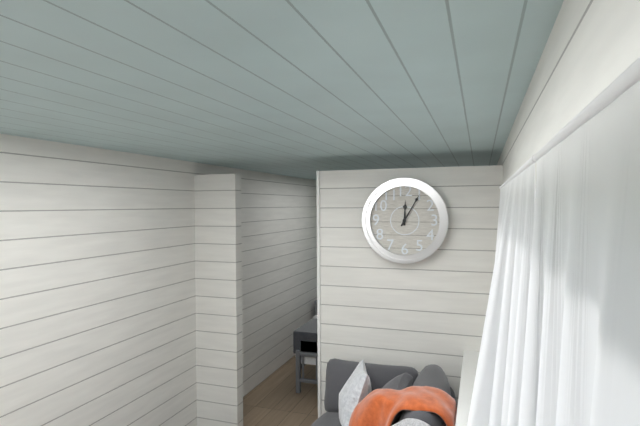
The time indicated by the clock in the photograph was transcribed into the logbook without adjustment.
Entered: 12:05
